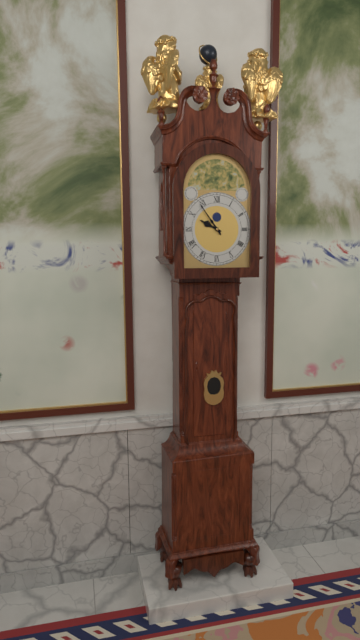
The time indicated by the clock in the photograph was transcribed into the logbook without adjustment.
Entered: 9:54
